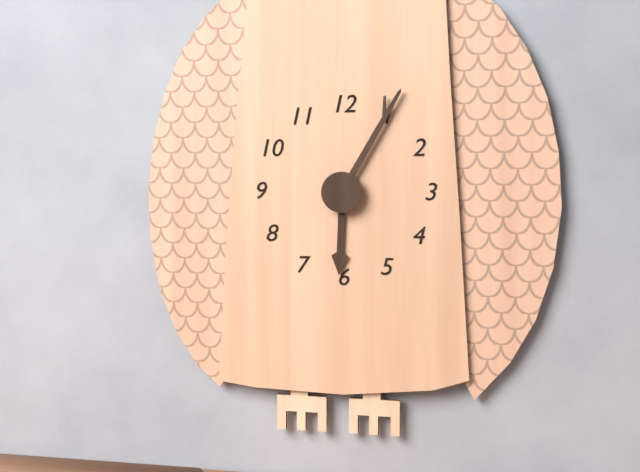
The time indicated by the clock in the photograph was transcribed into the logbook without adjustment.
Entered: 6:05
